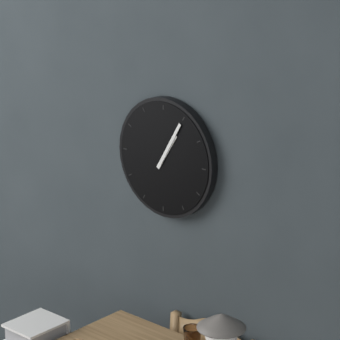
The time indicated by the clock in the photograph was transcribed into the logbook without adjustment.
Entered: 1:05
